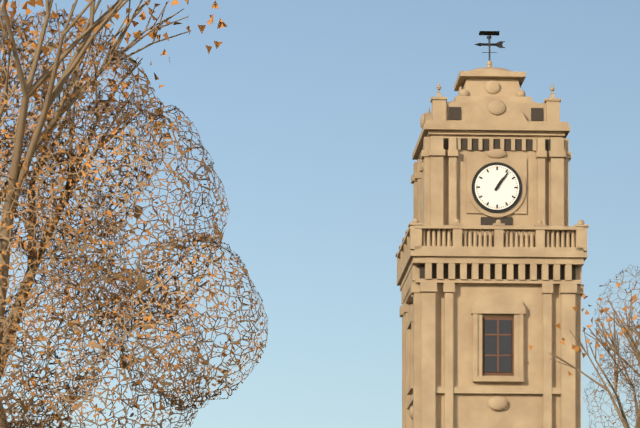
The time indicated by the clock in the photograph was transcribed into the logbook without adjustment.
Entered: 1:06
